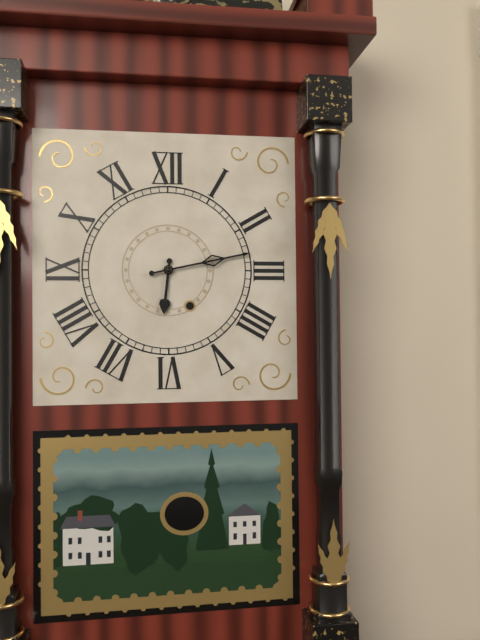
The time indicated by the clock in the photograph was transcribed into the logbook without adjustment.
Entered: 6:13
